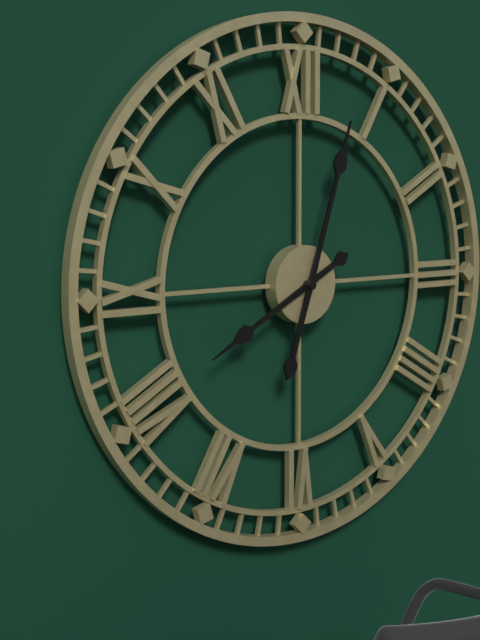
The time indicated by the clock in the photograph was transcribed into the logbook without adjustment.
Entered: 8:03
